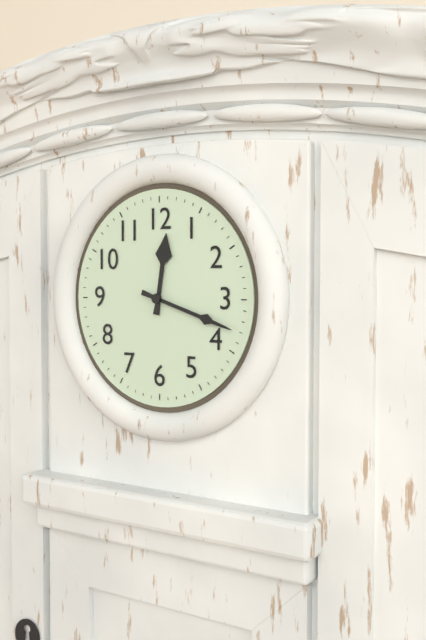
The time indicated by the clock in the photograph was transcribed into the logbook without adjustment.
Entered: 12:18
